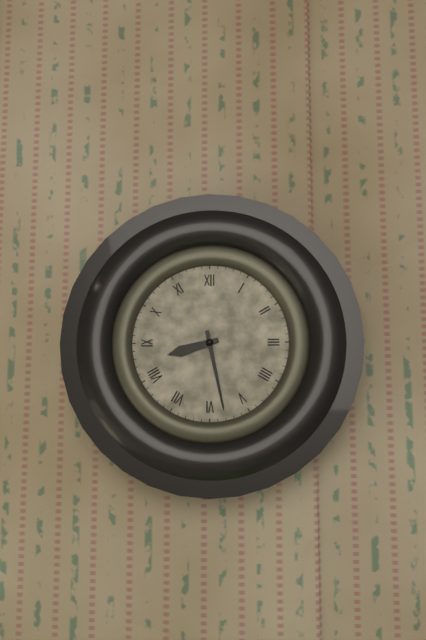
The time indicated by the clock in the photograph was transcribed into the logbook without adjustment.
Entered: 8:28
